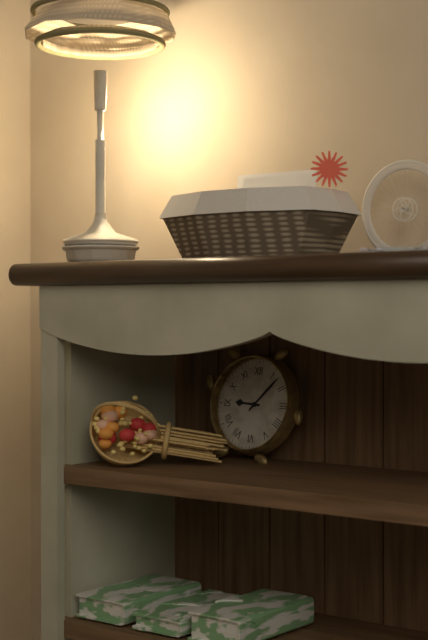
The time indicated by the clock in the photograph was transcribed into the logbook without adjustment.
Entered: 9:07
